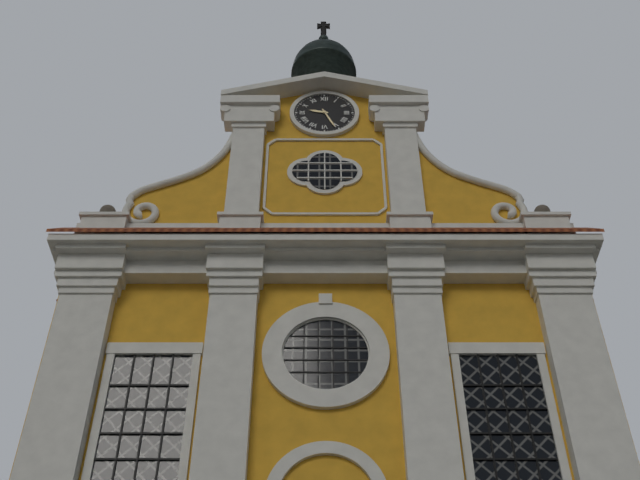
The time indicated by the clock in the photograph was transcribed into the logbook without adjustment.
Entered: 9:26
